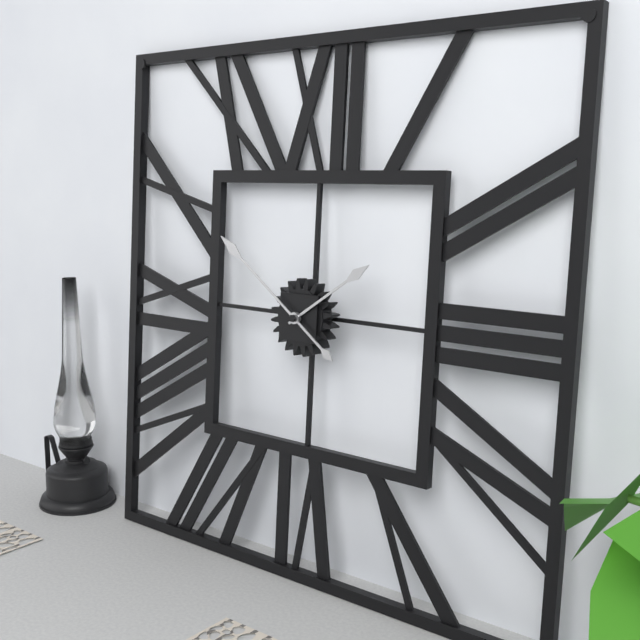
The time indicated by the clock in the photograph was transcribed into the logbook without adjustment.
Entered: 1:51
